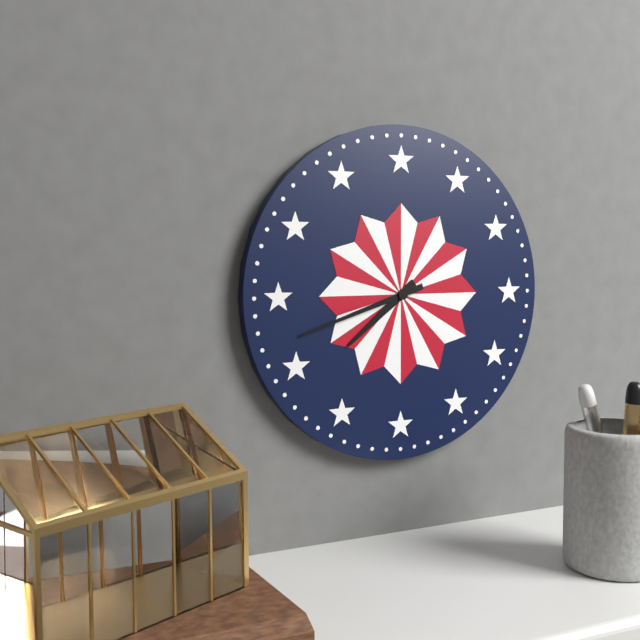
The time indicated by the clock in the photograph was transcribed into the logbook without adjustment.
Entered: 7:42
